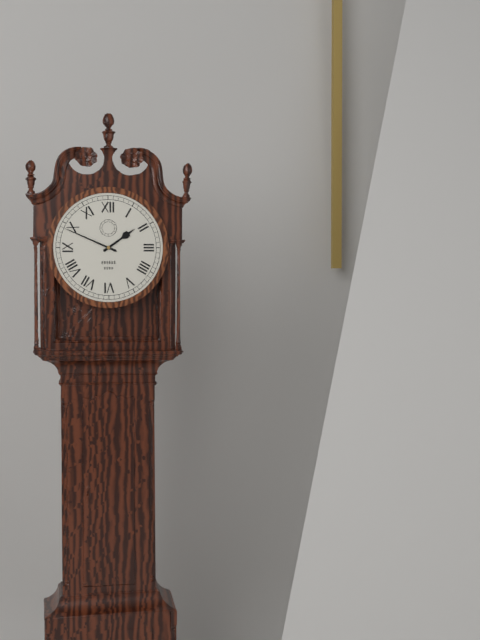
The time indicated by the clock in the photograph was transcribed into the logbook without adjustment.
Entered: 1:49
